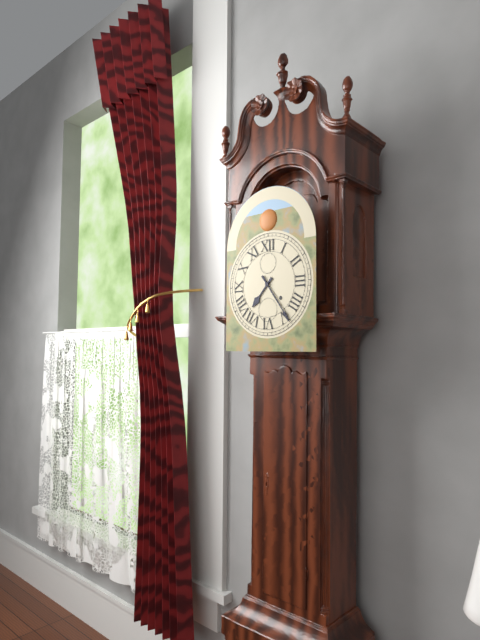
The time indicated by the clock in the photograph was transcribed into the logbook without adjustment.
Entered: 7:24
